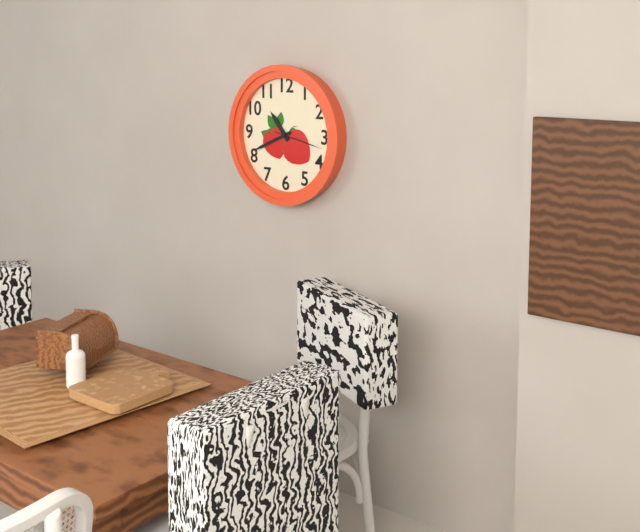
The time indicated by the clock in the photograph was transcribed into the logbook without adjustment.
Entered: 10:41
